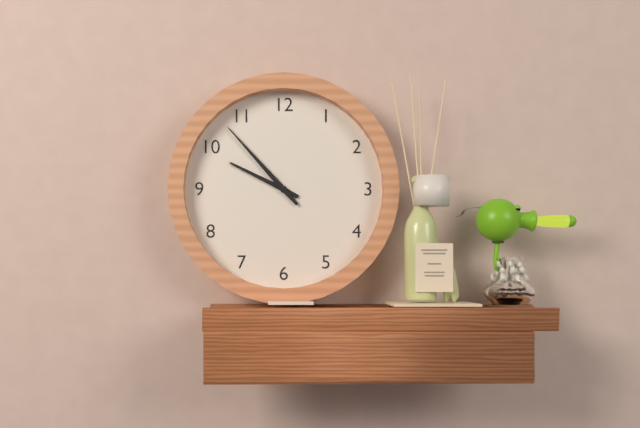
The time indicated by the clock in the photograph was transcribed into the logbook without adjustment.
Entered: 9:53
